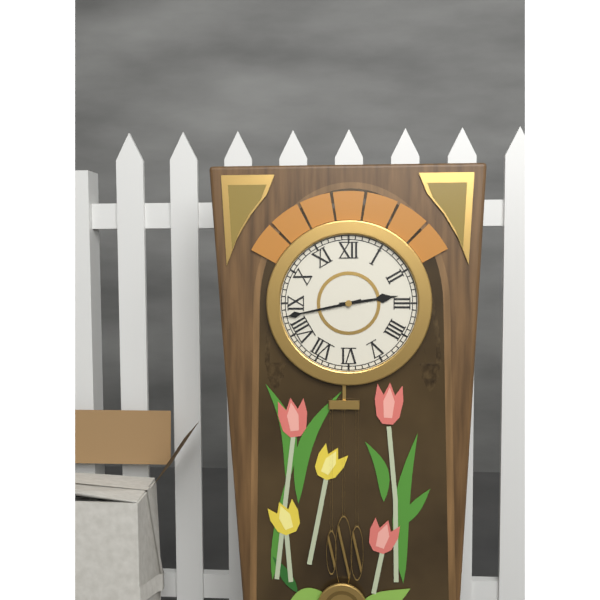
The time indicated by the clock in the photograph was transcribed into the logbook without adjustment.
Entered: 2:43
